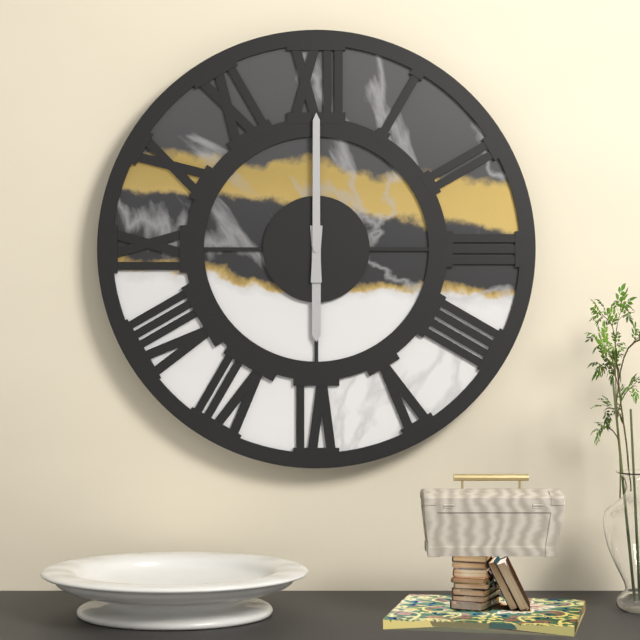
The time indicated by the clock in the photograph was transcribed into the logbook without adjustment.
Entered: 6:00
